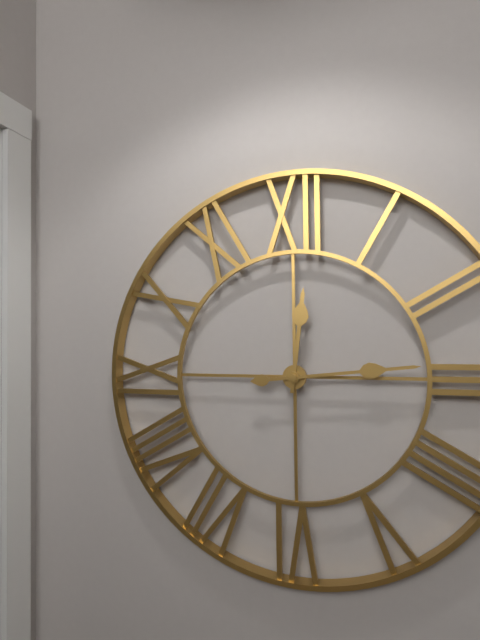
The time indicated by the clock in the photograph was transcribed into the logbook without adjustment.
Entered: 12:14
